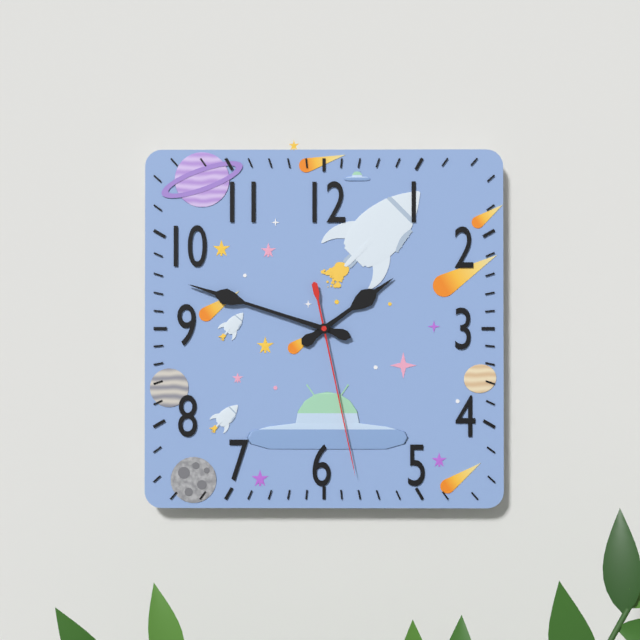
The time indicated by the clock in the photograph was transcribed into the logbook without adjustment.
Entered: 1:48:28
